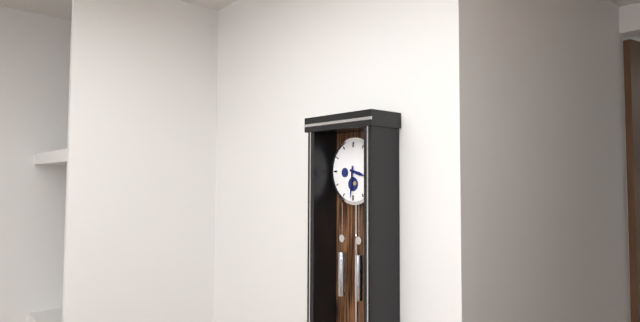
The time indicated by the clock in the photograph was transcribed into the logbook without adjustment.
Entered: 3:31
